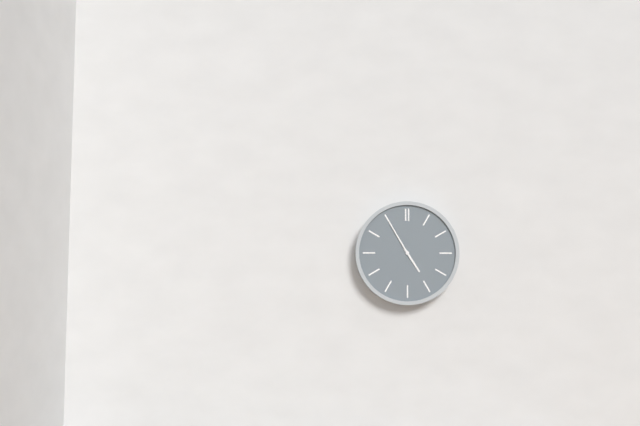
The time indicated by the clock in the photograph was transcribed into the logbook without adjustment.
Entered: 4:55
